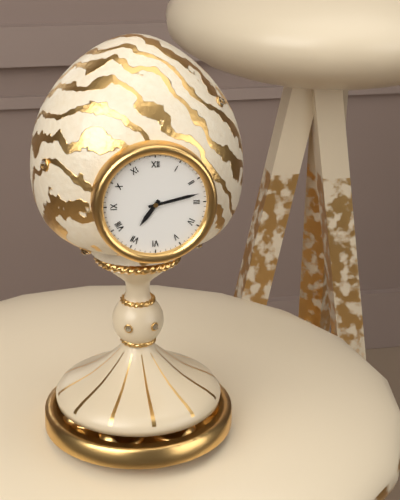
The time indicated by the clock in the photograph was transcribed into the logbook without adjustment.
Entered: 7:13
